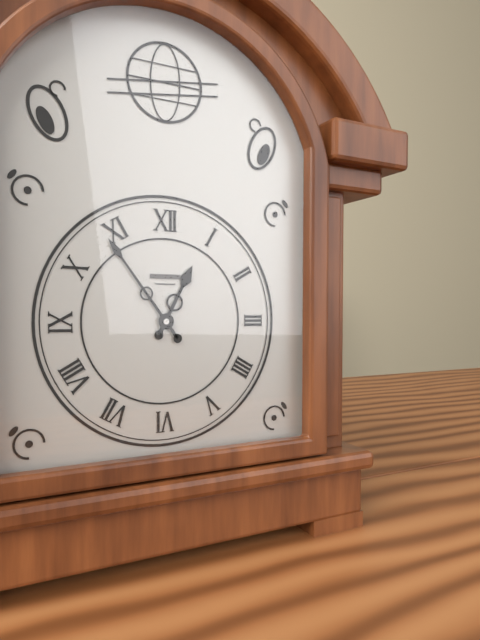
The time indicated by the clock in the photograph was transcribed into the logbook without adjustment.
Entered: 12:54
